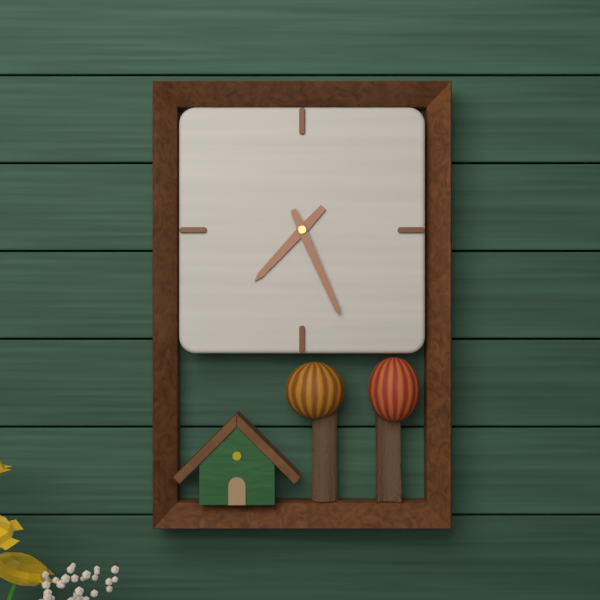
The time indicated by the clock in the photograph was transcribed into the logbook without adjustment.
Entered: 7:26
